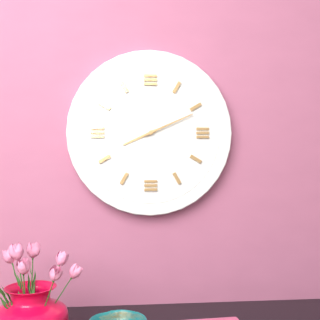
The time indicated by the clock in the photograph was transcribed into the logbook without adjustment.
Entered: 8:11
